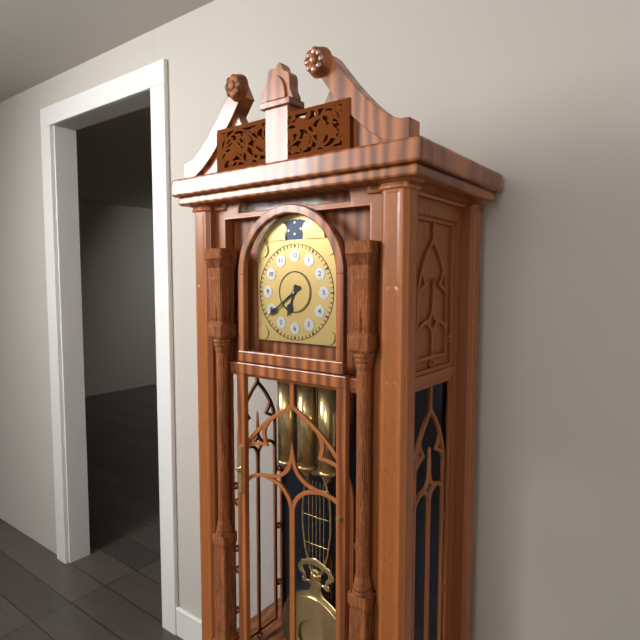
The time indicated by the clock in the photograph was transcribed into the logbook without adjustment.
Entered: 6:39
